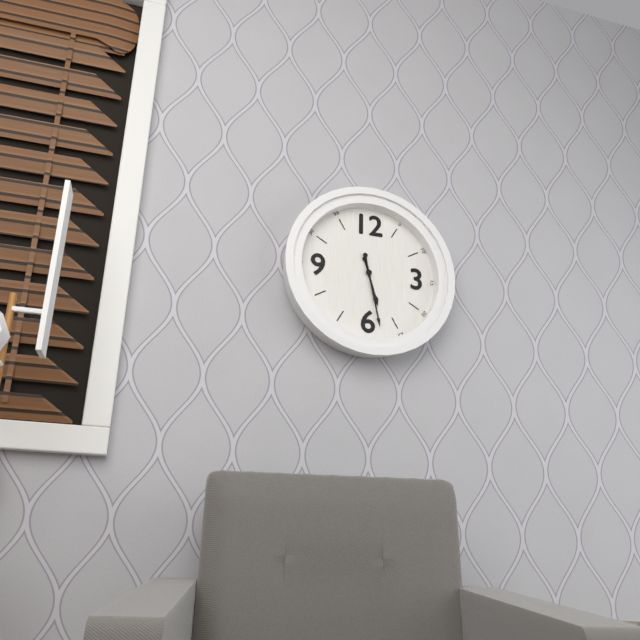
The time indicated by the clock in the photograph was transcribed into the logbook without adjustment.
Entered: 5:28
